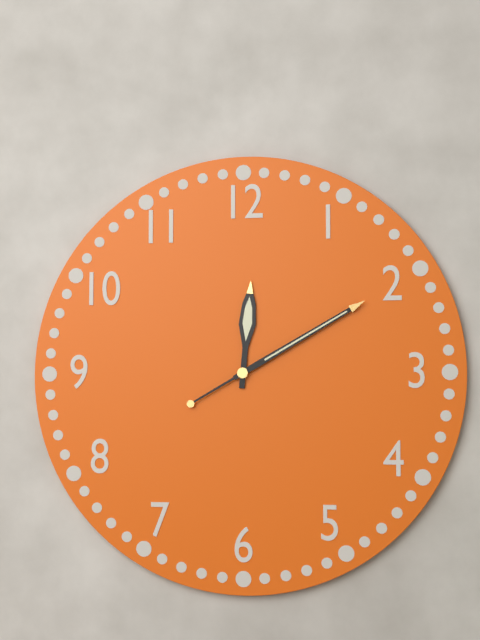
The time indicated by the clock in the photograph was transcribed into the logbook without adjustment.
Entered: 12:10
